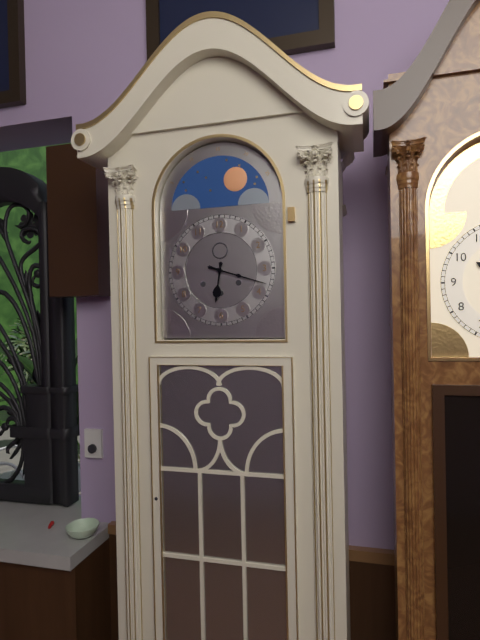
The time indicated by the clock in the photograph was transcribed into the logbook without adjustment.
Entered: 6:18
